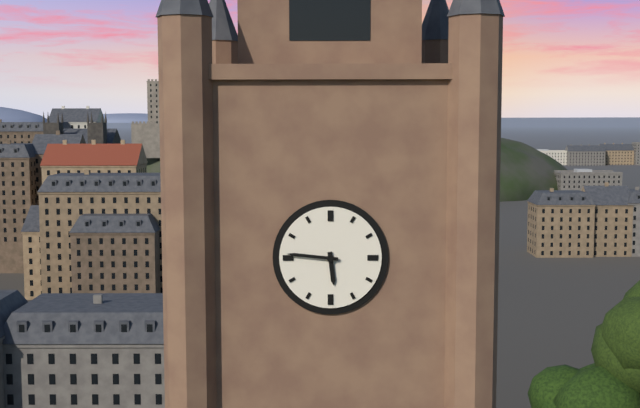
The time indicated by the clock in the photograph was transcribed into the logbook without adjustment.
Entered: 5:46
